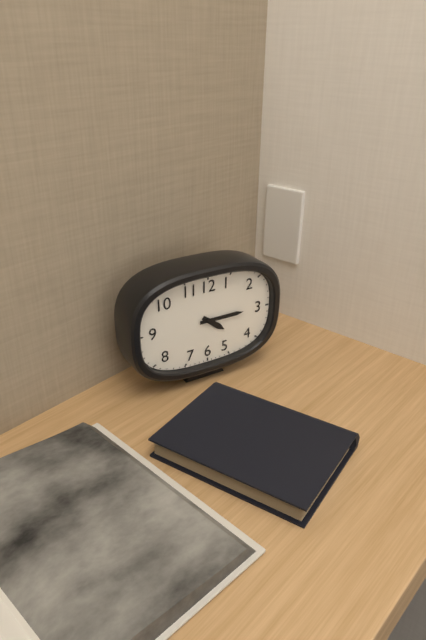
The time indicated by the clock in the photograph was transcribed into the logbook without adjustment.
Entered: 4:15
